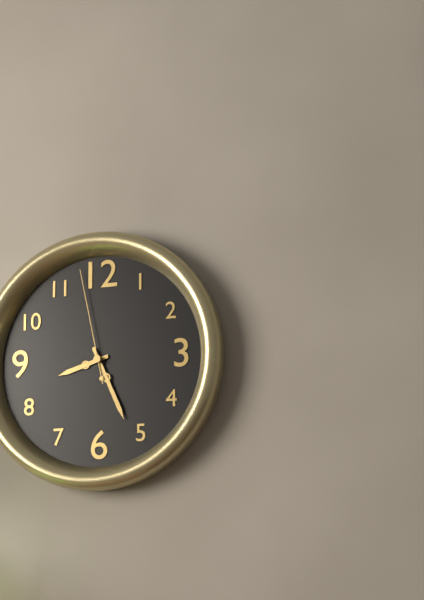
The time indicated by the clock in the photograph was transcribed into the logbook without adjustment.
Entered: 8:26:58
